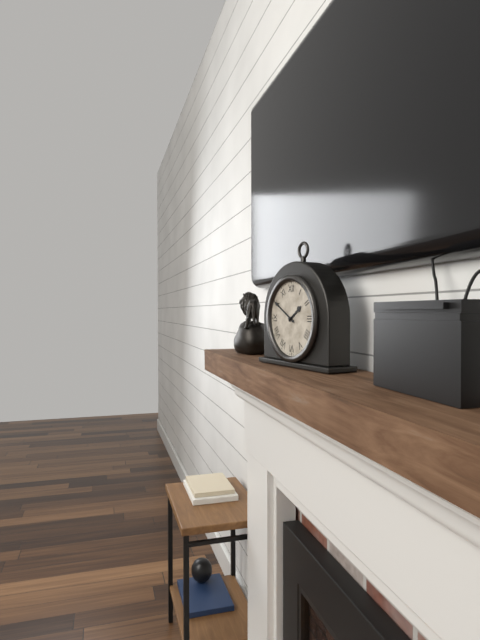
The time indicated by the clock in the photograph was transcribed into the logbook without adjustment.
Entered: 1:50
